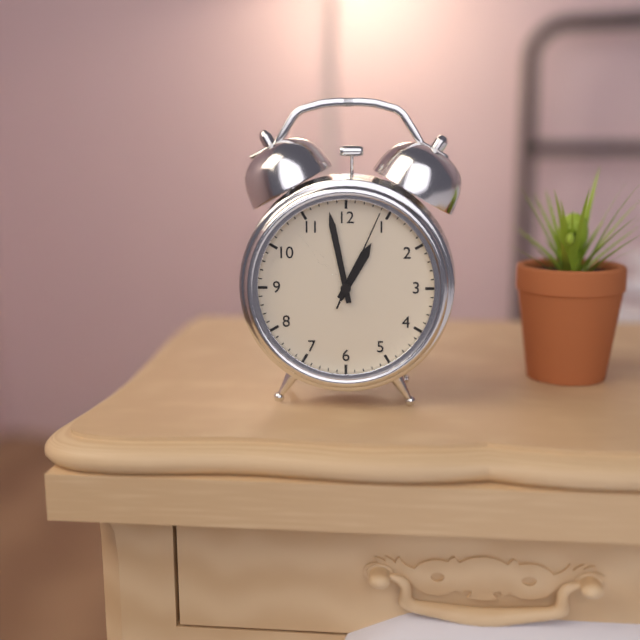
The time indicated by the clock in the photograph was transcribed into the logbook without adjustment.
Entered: 12:58:04
